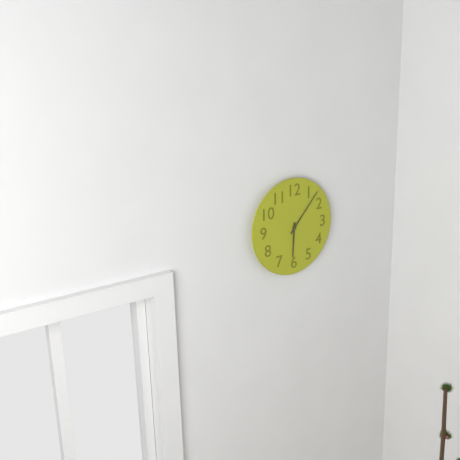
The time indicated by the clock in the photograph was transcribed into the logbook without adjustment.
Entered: 6:07
